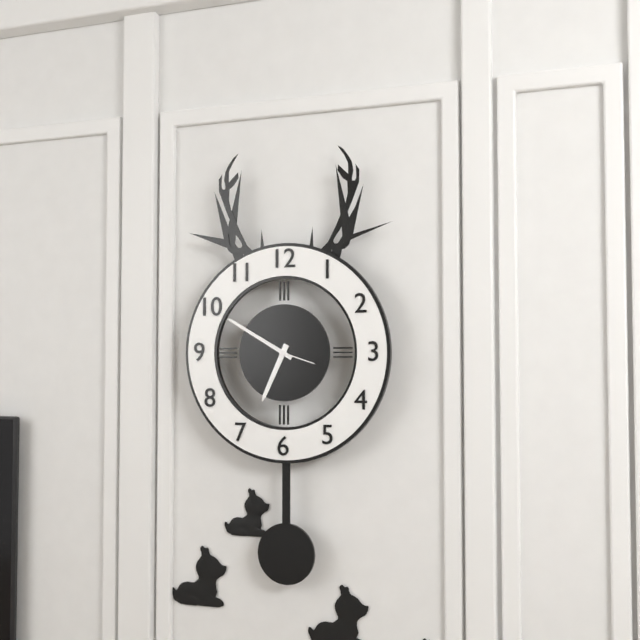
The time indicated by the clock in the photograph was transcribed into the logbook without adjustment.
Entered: 6:50
